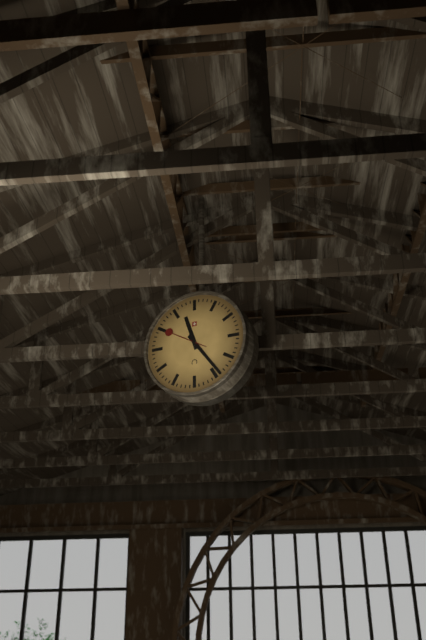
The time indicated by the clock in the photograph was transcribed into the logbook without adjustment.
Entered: 11:24
